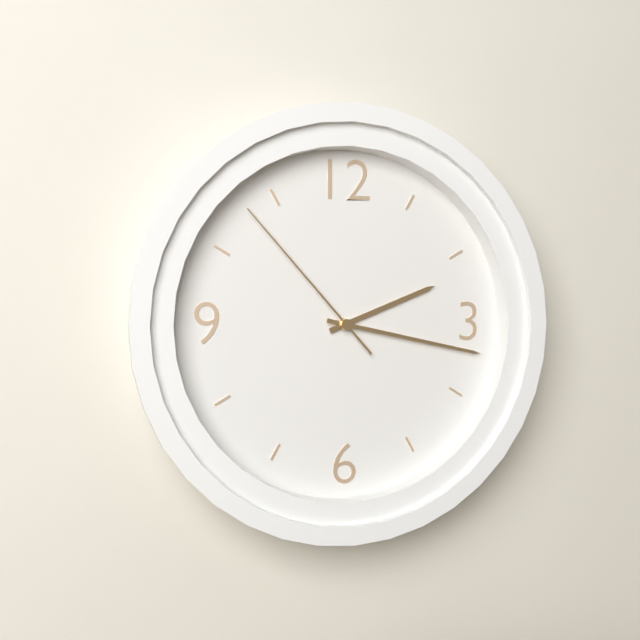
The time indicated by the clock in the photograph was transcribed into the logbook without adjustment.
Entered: 2:17:53
